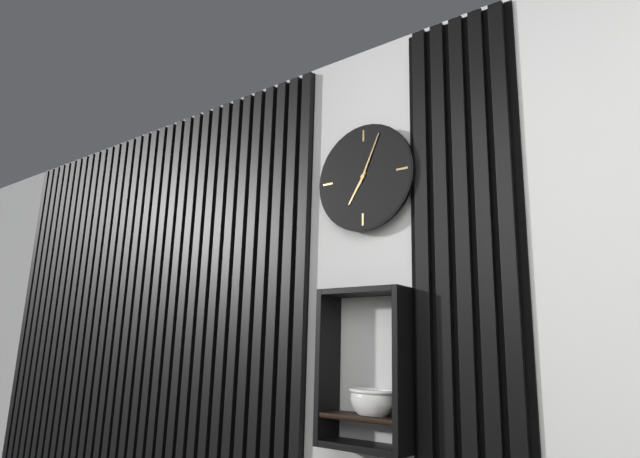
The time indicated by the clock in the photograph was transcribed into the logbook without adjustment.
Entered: 7:04
